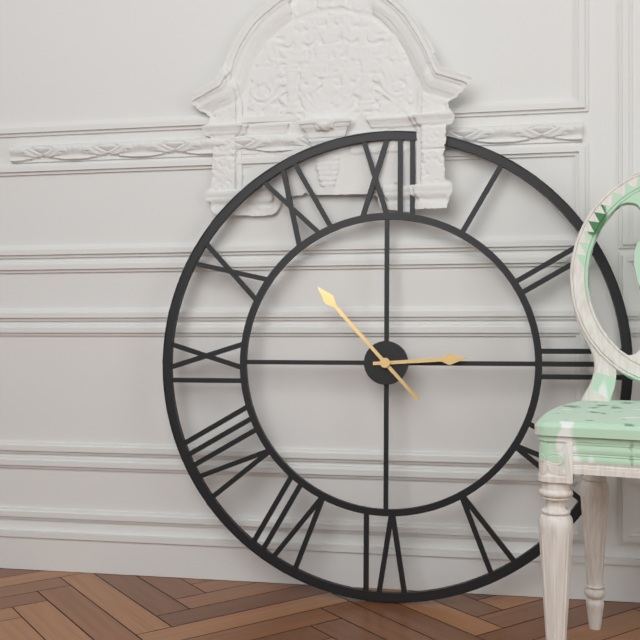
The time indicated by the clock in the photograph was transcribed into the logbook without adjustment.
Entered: 2:53
